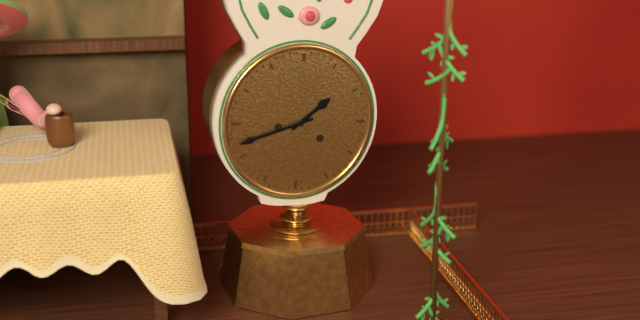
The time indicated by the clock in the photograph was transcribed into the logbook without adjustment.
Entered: 1:42
